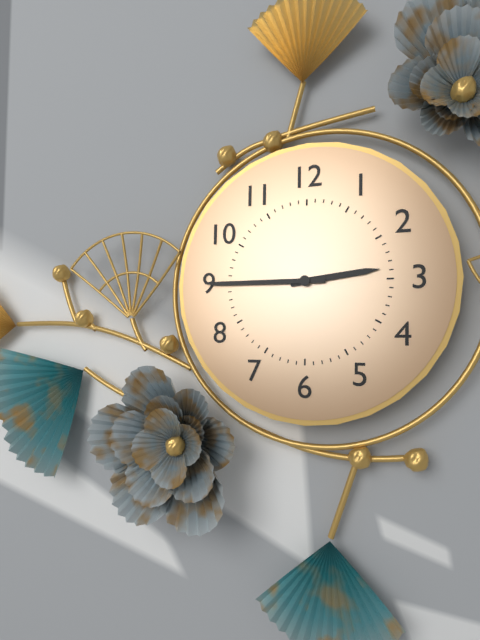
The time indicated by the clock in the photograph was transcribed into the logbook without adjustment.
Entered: 2:45
